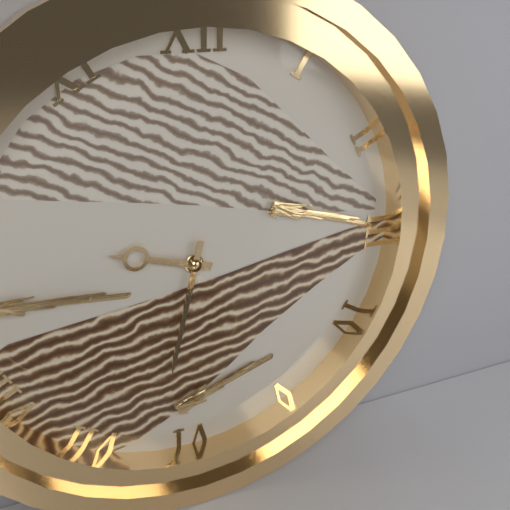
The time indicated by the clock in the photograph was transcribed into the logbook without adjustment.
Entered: 9:32
